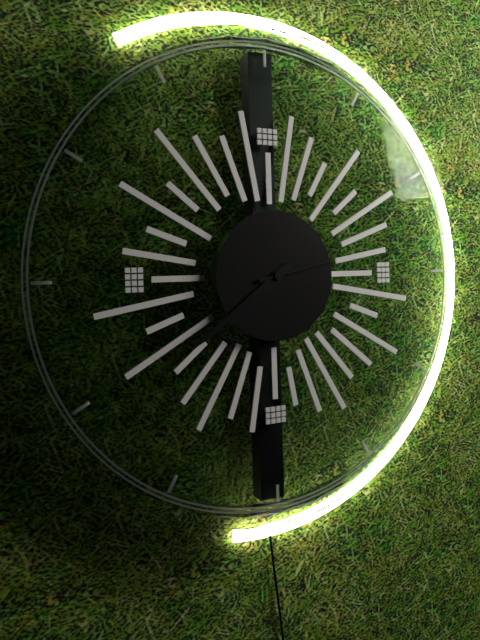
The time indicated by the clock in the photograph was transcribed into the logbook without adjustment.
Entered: 7:39:13
